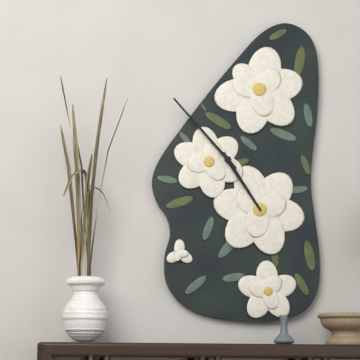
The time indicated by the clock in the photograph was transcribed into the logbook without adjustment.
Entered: 4:53
